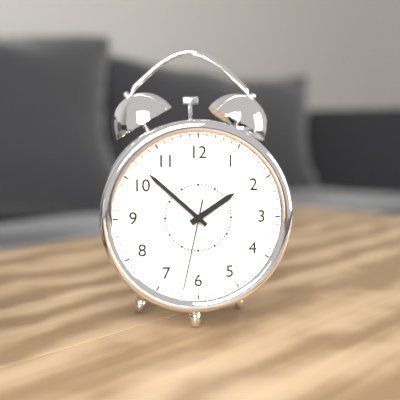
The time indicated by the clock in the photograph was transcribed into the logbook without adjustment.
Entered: 1:52:32
